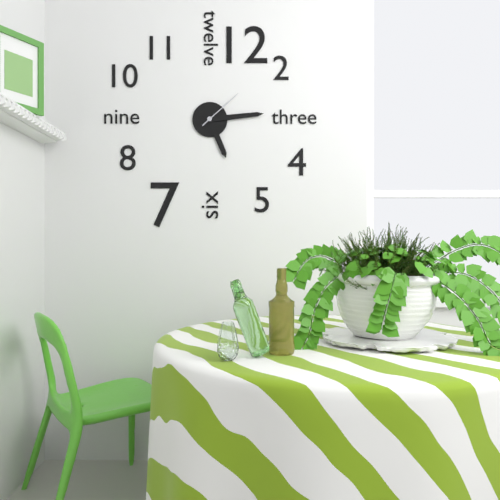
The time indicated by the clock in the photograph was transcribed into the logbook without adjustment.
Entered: 5:14
